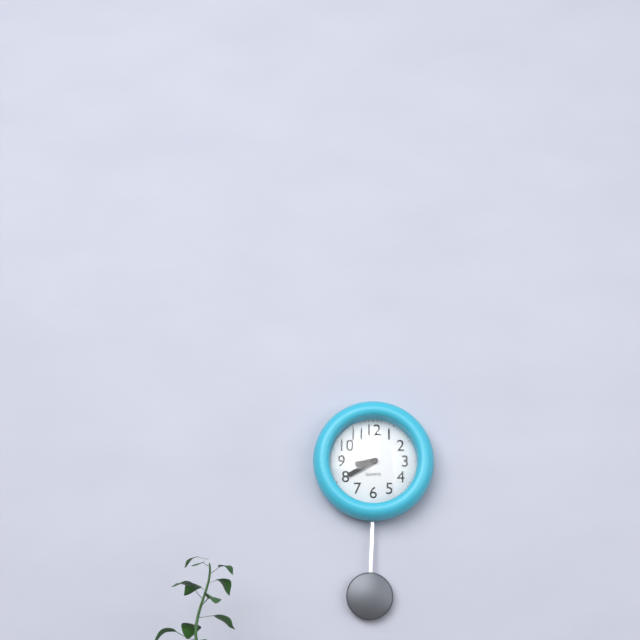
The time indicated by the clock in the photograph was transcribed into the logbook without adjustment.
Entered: 8:40
